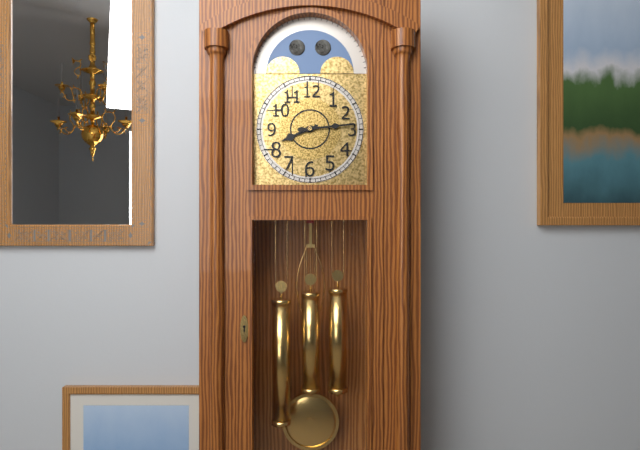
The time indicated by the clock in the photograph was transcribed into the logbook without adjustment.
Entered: 8:14
